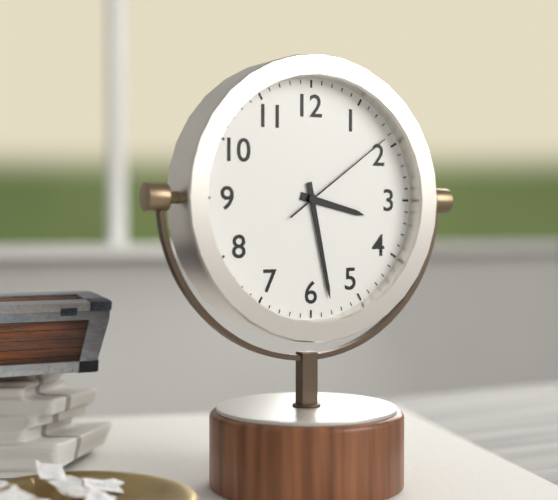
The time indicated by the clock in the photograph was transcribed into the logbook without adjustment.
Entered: 3:28:09
